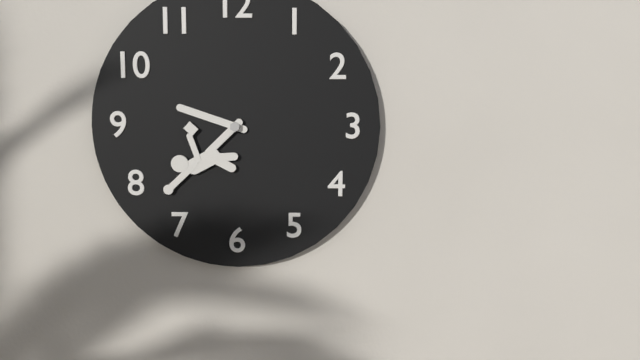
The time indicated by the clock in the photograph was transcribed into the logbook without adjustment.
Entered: 9:37
